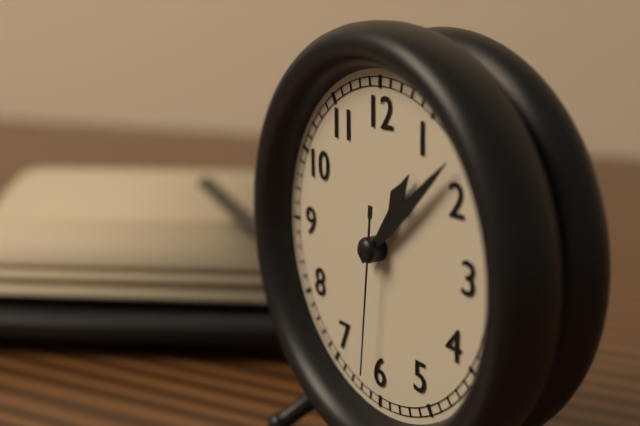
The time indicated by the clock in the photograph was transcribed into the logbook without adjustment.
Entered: 1:08:31
